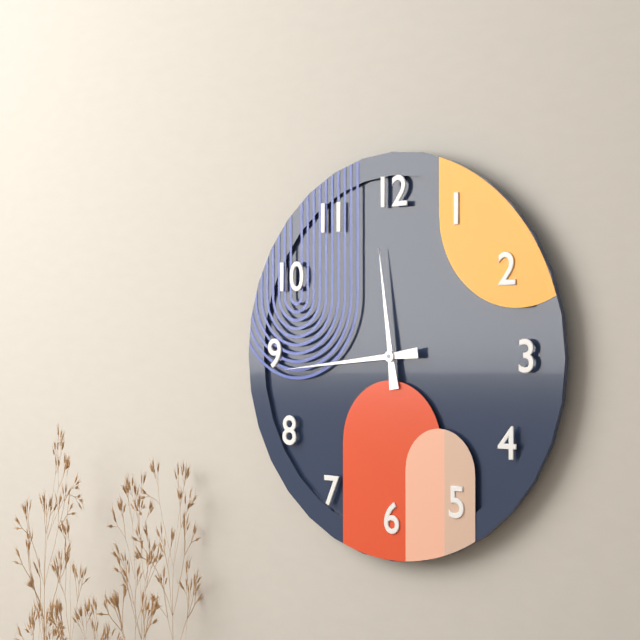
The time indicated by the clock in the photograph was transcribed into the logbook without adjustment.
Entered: 11:44
